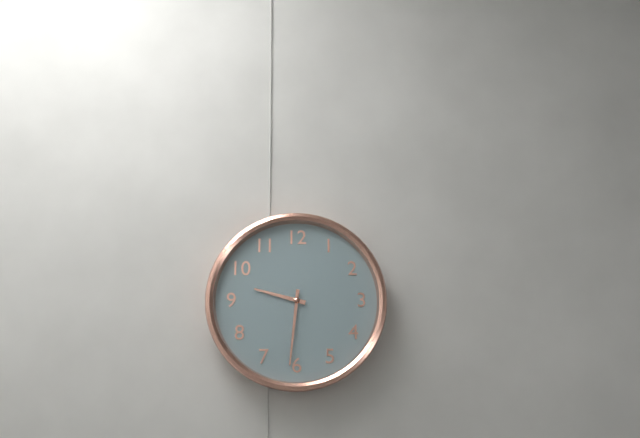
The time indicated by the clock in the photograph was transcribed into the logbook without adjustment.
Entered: 9:31
